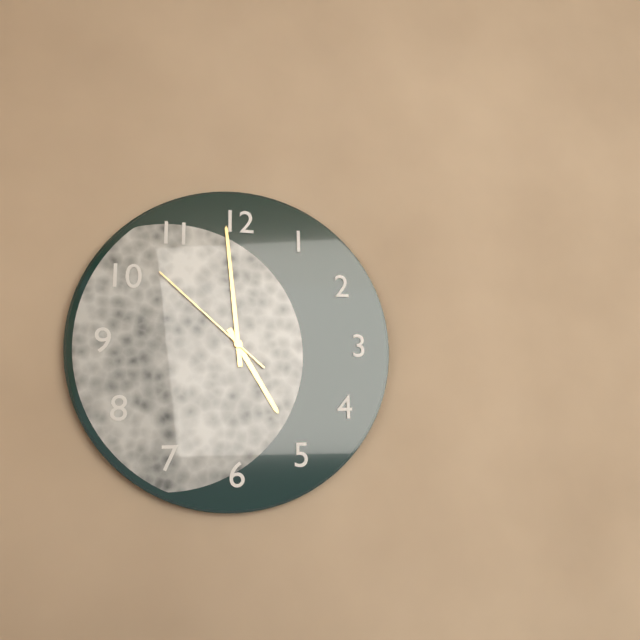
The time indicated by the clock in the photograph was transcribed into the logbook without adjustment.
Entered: 4:59:52
